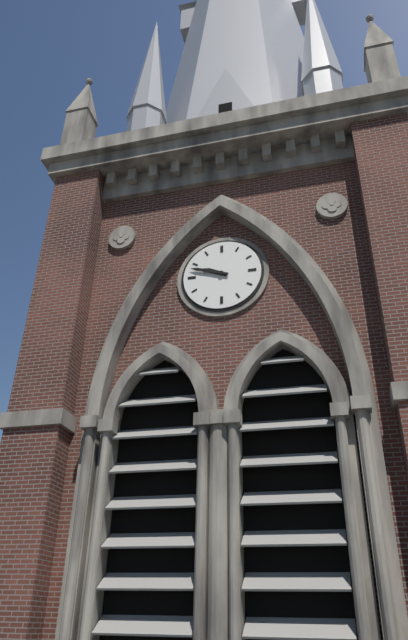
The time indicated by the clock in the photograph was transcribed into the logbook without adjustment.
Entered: 9:48
